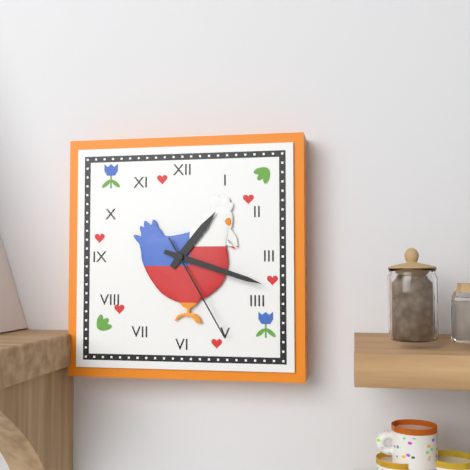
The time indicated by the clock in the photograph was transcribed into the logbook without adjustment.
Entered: 1:18:25
